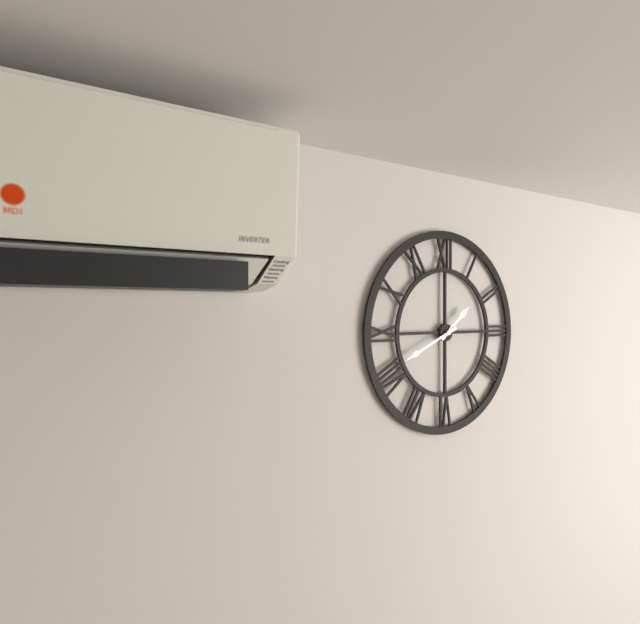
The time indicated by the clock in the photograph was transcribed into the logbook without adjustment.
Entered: 1:41
